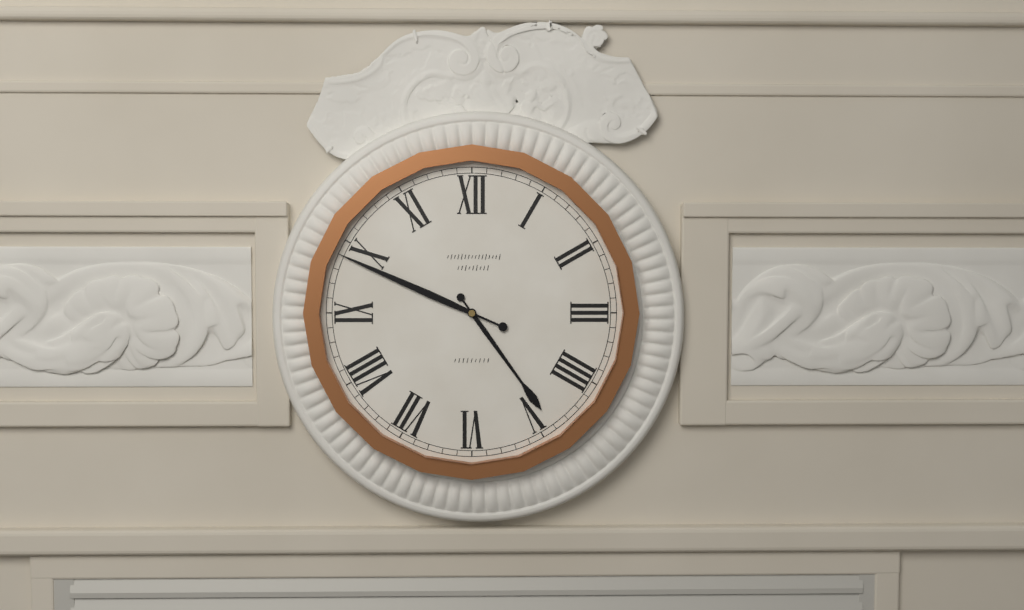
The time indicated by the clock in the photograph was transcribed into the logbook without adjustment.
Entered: 4:49
